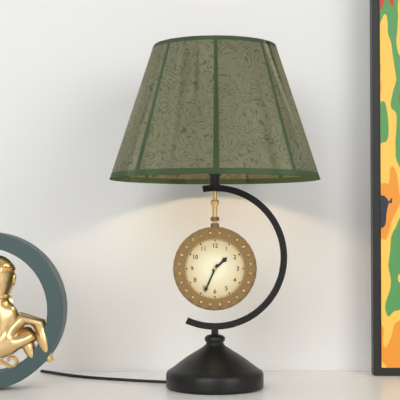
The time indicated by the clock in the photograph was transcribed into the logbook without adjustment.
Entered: 1:34
